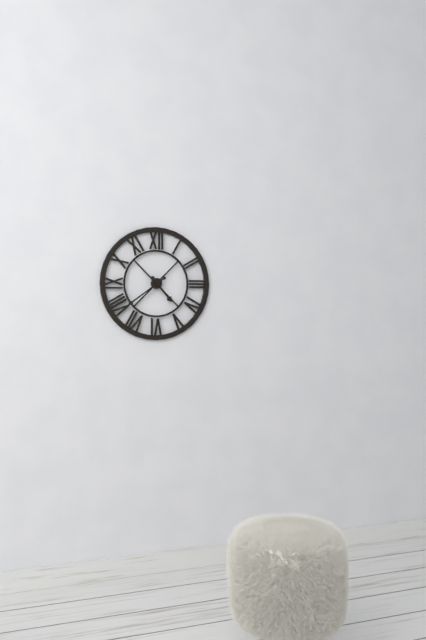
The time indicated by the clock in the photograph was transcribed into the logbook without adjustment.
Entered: 4:39
